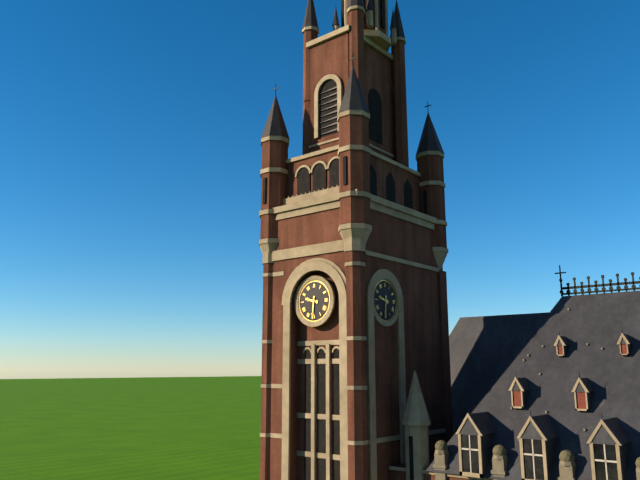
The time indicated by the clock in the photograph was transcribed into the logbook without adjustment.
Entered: 9:31
